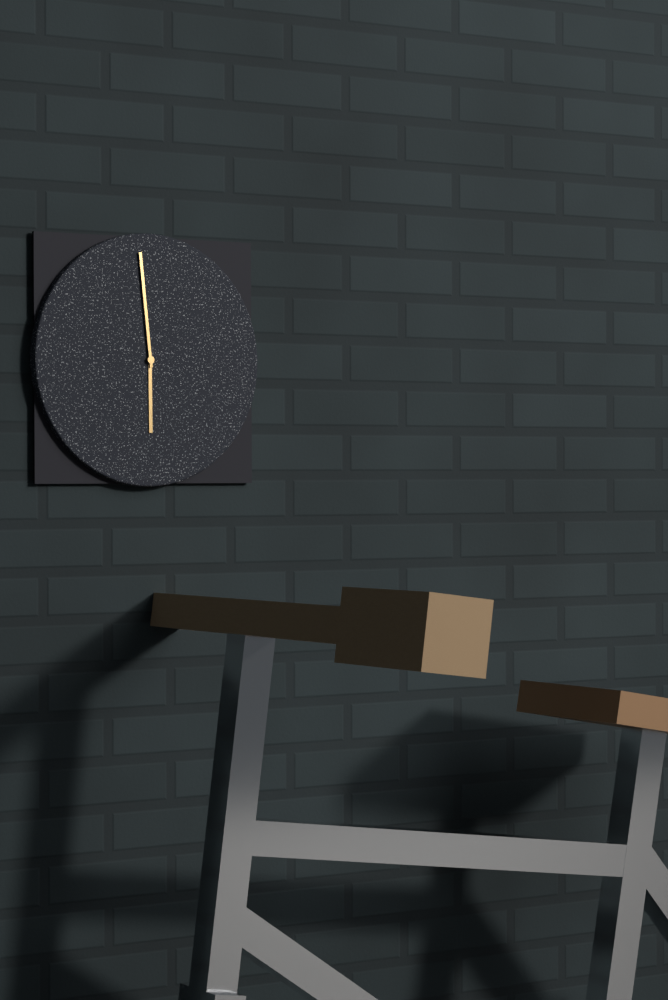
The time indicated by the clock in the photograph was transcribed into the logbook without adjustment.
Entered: 5:59
